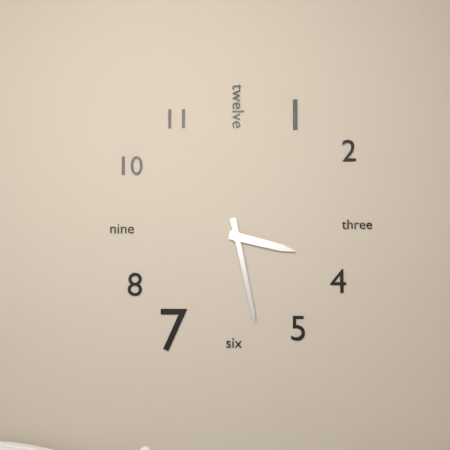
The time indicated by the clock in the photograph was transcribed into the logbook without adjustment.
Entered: 3:28
